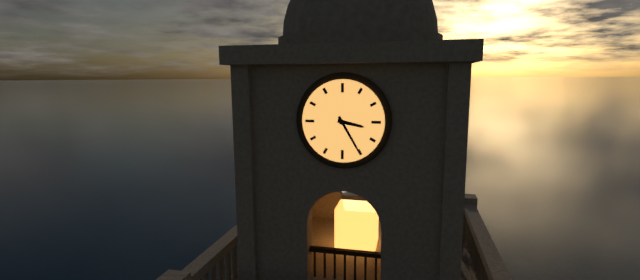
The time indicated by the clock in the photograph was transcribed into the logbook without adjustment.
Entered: 3:25
